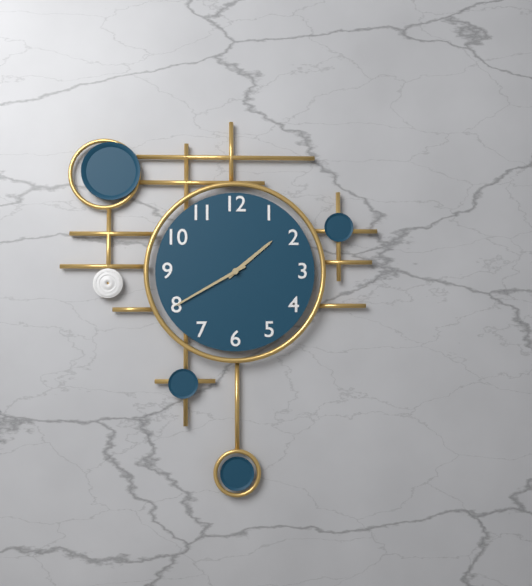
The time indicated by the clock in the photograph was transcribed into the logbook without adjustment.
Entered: 1:40
